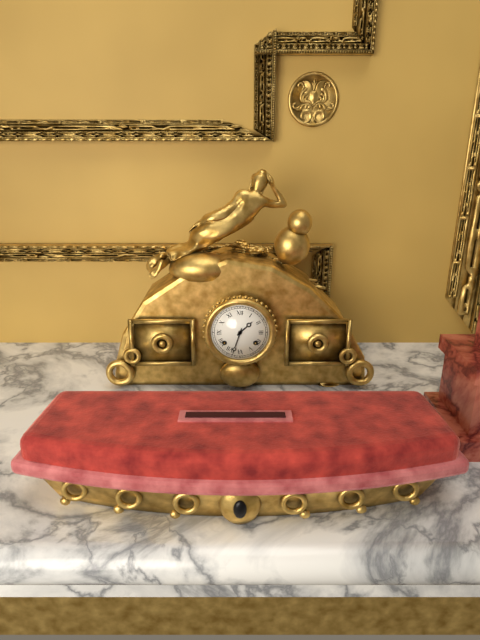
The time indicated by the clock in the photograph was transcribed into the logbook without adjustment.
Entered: 1:33
